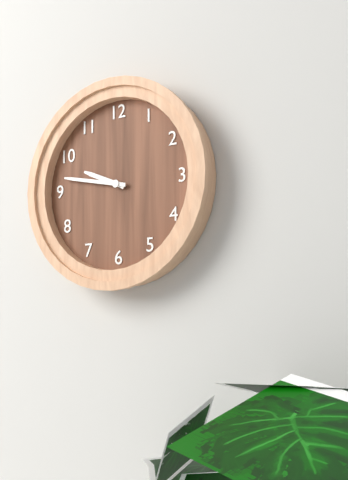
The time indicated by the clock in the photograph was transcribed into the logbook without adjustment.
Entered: 9:47
